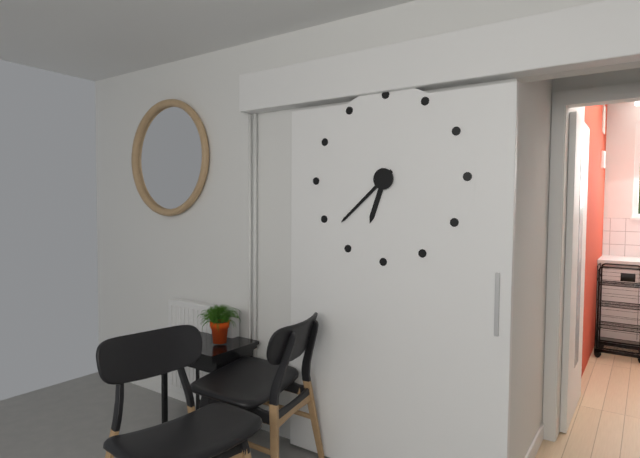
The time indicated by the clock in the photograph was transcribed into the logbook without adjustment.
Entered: 6:38
